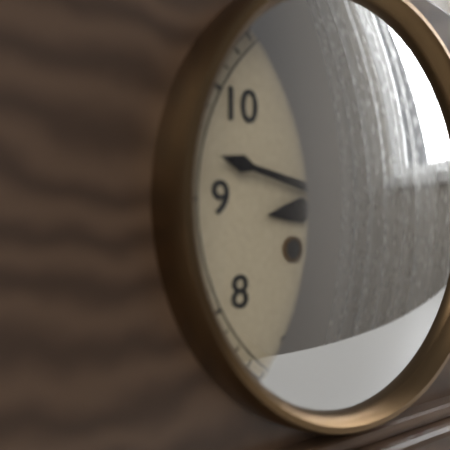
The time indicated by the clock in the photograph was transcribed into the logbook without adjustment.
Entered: 8:47
